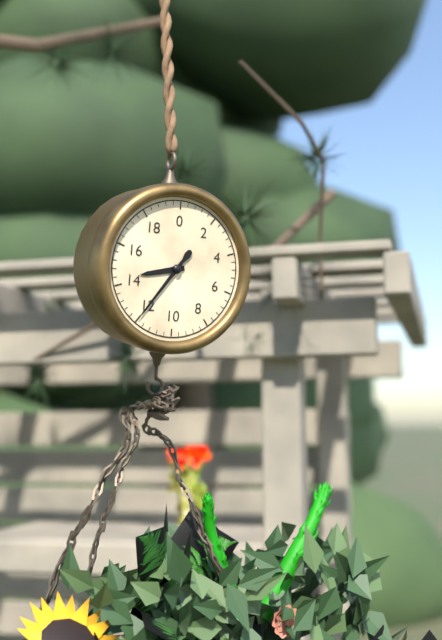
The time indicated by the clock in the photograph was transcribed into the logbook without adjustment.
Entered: 8:36
